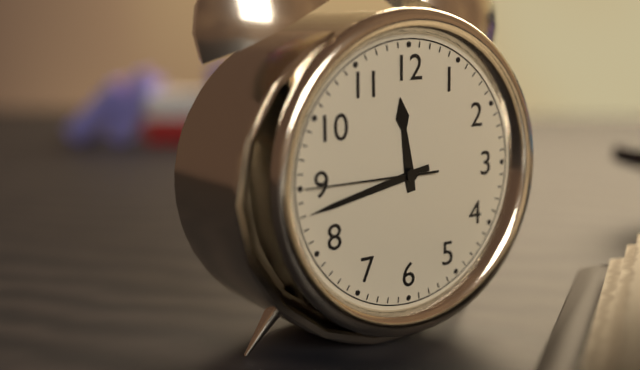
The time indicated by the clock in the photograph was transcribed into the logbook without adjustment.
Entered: 11:43:45
